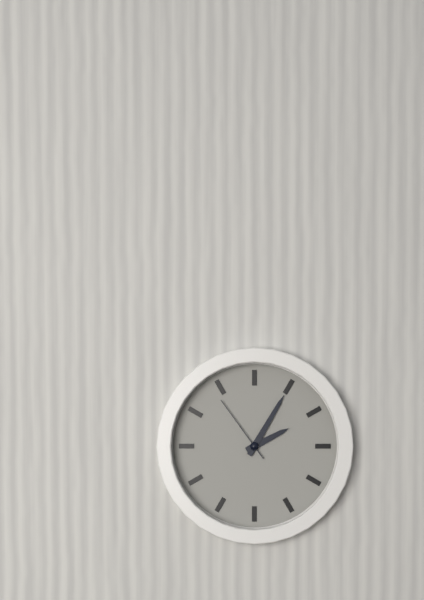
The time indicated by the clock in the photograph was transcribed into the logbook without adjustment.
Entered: 2:05:54
